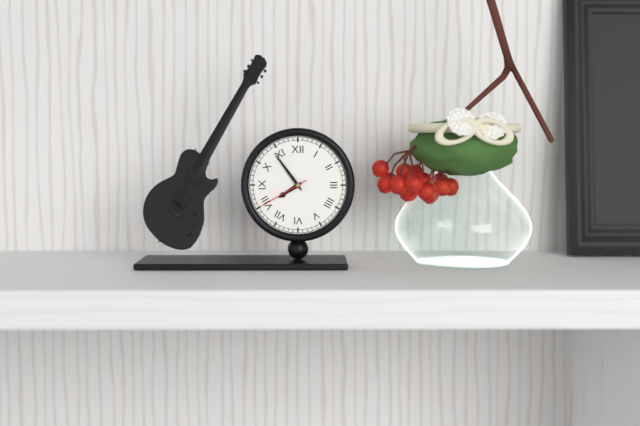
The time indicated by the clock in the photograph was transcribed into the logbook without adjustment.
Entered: 7:54:40
